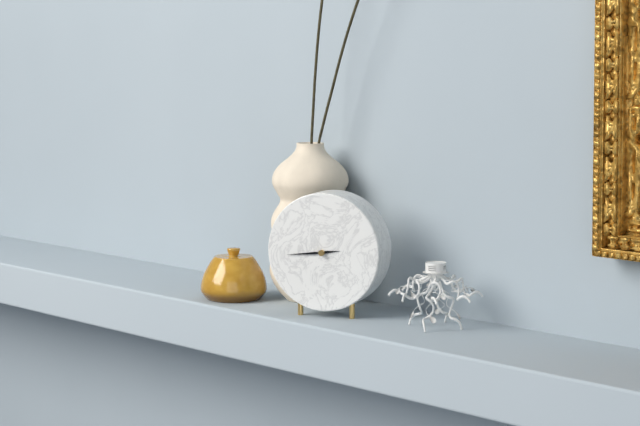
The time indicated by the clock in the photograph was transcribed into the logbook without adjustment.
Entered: 2:44
